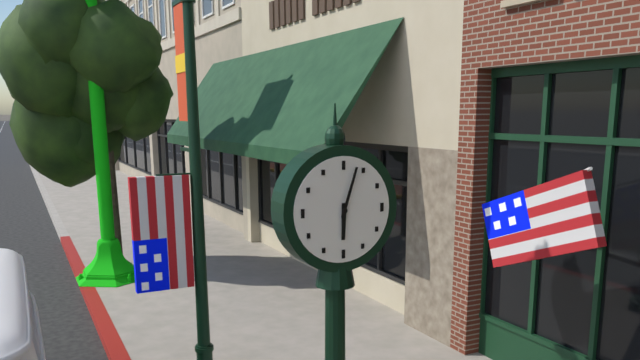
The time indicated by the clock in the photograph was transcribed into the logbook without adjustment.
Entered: 6:03
